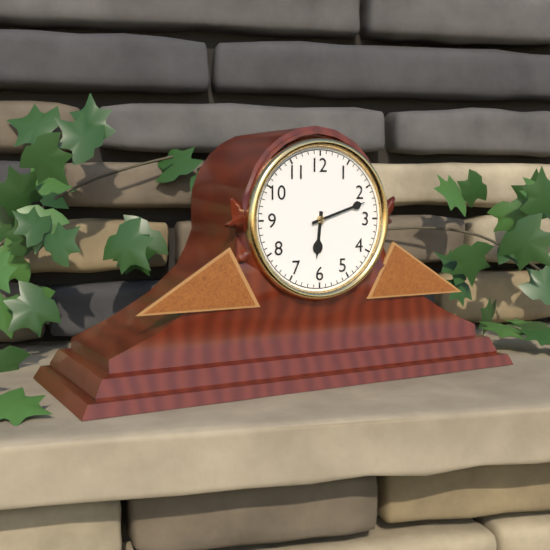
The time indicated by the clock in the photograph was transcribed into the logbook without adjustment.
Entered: 6:12
